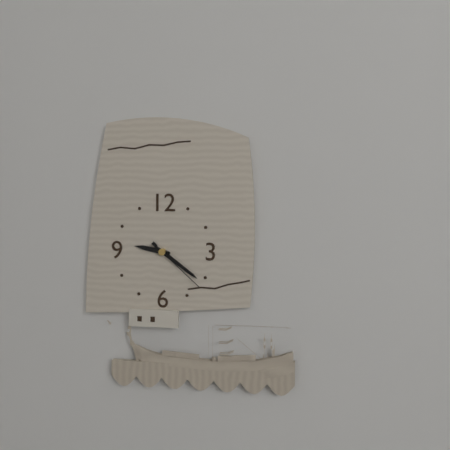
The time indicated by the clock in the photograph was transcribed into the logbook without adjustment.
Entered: 9:21:22
